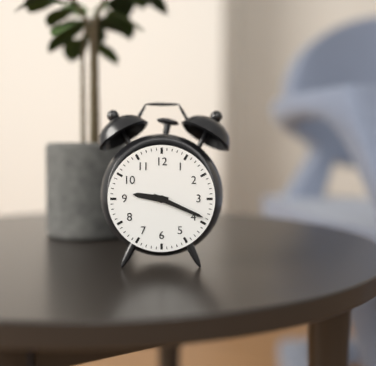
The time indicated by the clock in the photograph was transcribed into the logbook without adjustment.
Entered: 9:19
